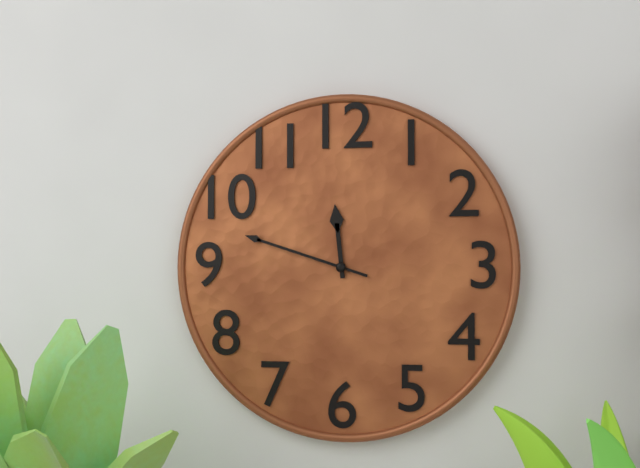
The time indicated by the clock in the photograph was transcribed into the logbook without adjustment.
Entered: 11:48
